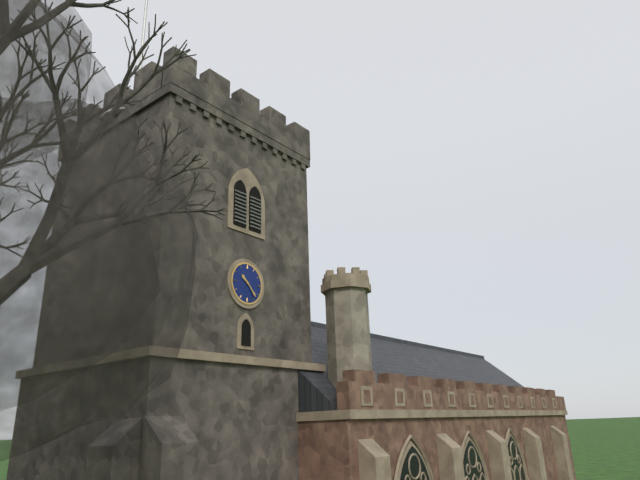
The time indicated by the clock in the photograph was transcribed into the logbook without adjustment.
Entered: 10:23
